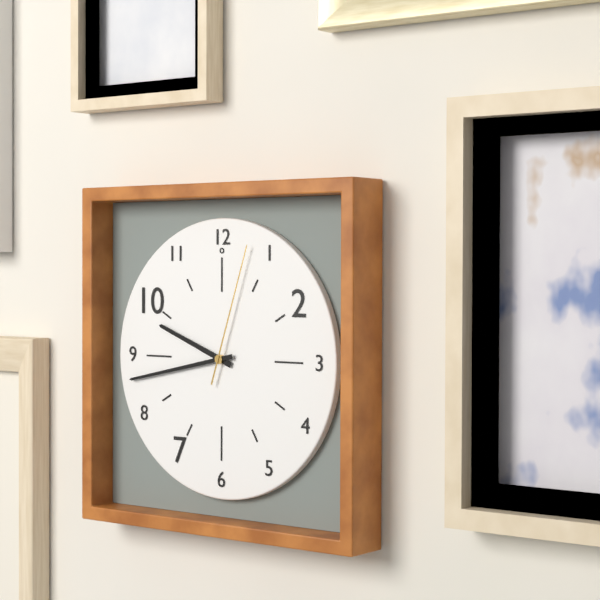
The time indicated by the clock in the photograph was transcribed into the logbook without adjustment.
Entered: 9:43:03
